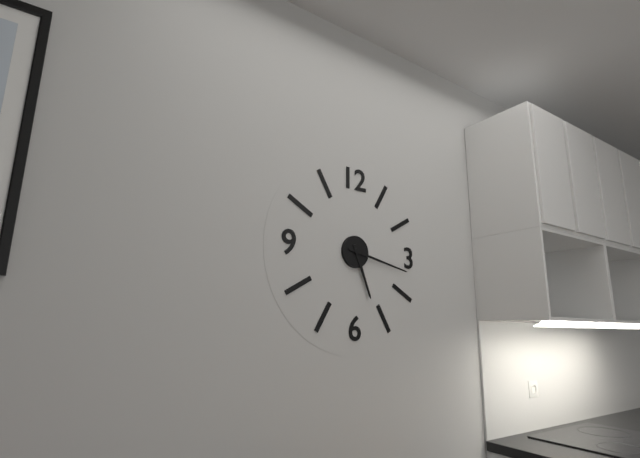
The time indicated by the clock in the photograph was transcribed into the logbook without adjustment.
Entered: 5:17
